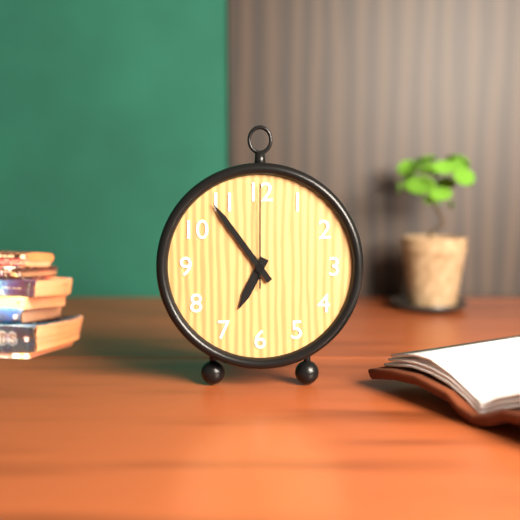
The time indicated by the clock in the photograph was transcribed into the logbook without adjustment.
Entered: 6:54:00
